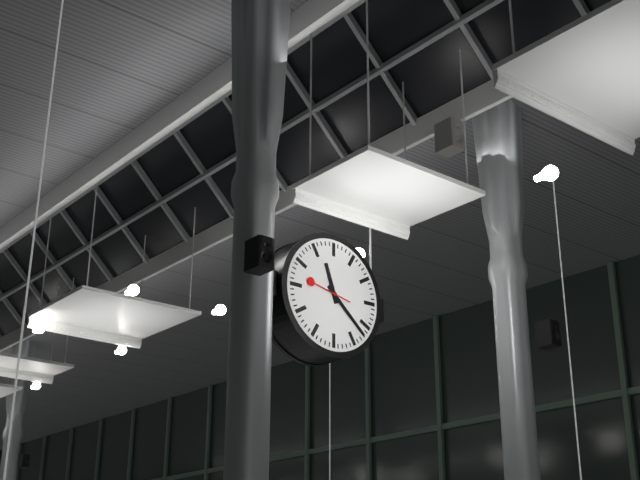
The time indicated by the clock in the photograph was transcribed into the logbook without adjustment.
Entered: 11:22
